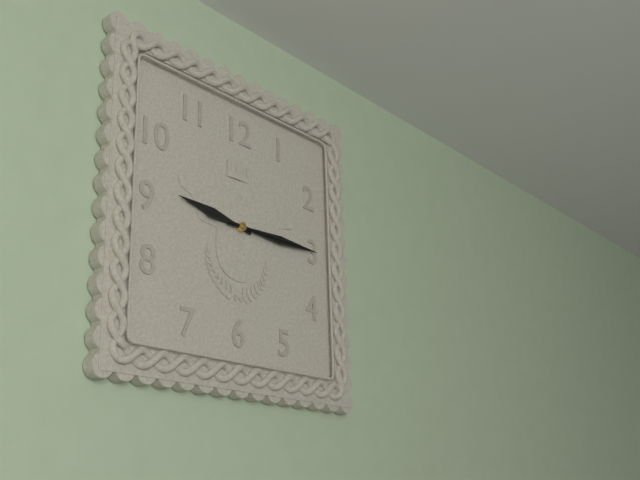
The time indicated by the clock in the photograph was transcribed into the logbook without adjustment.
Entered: 9:15:15
